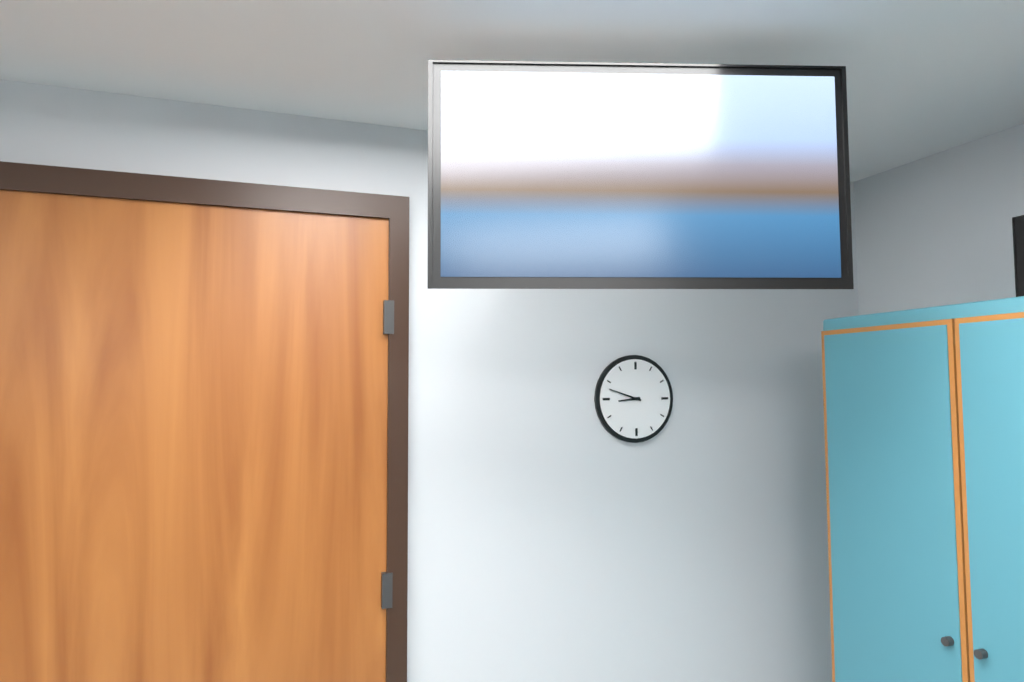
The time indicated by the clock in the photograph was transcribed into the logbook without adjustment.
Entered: 8:48
